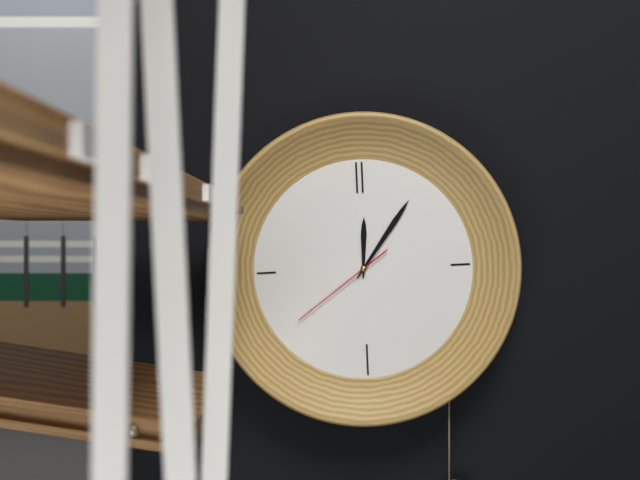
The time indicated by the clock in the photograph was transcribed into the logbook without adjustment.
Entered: 12:06:39
